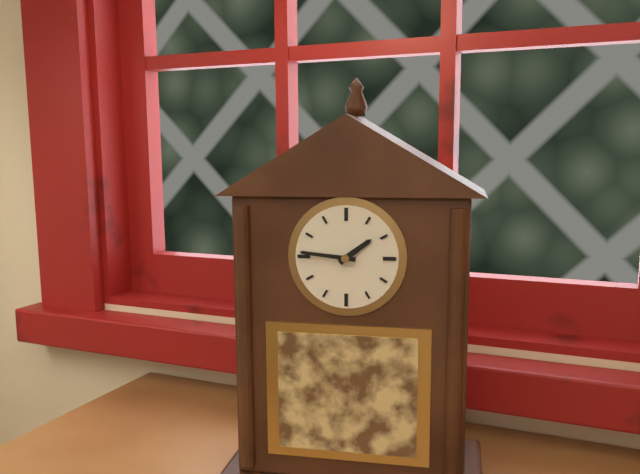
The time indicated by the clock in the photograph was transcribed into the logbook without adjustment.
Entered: 1:46
